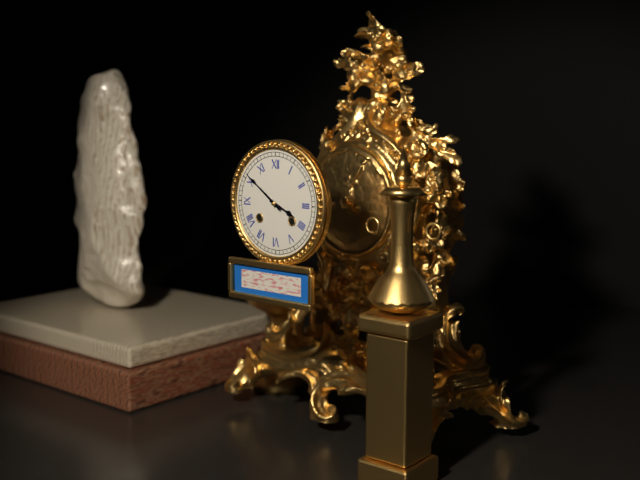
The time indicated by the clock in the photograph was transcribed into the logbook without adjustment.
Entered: 3:51
